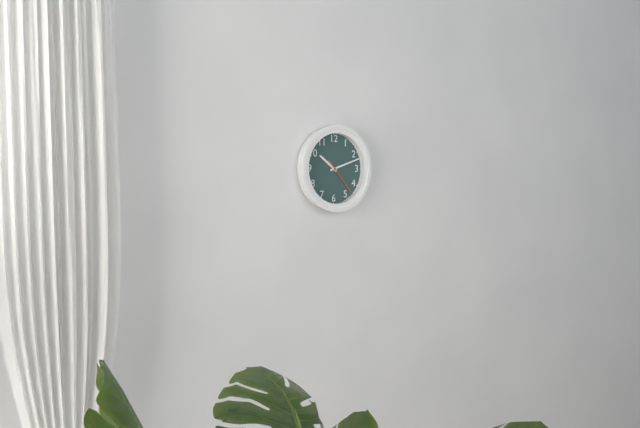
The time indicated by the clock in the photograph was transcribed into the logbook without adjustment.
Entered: 10:12
